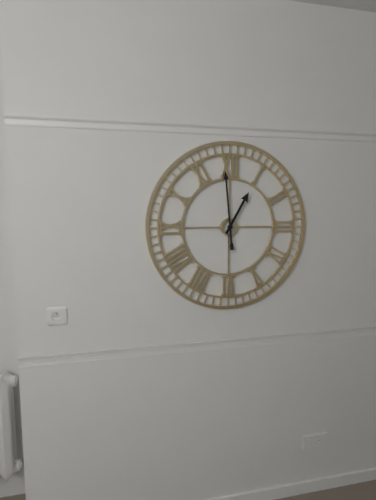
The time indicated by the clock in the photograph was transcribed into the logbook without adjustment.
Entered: 12:59
